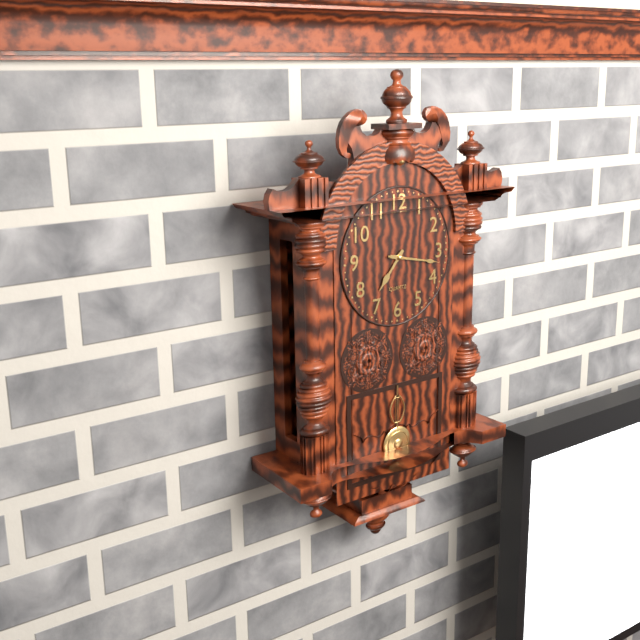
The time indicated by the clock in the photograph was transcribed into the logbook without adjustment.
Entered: 7:17:17
